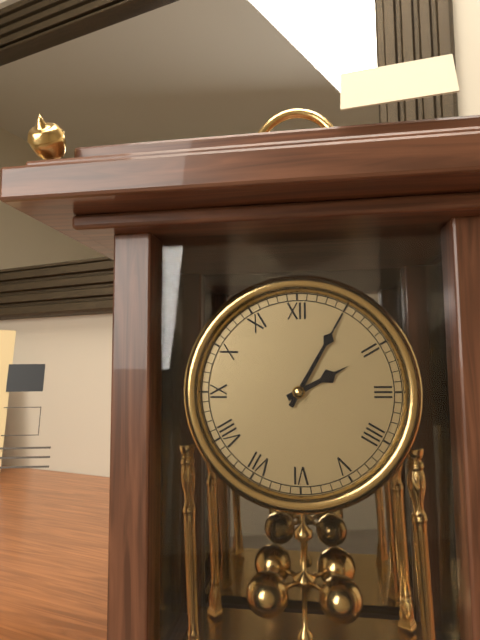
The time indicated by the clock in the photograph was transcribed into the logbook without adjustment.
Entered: 2:05
